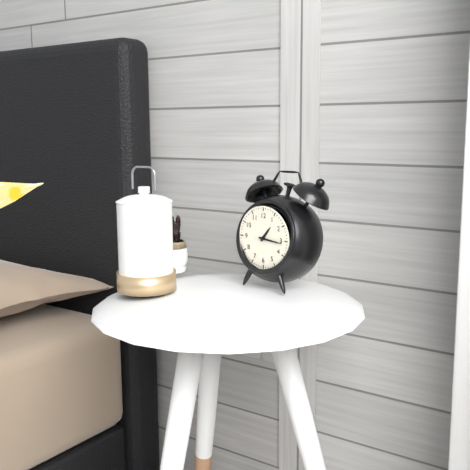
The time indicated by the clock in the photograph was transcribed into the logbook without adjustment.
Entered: 1:16
